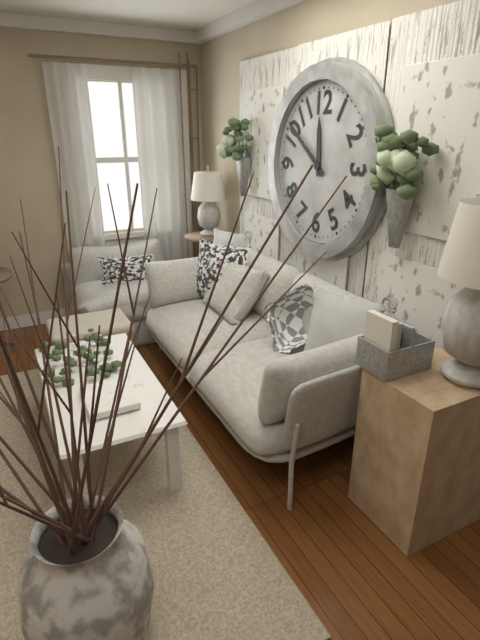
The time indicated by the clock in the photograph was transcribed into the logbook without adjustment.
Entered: 11:51
